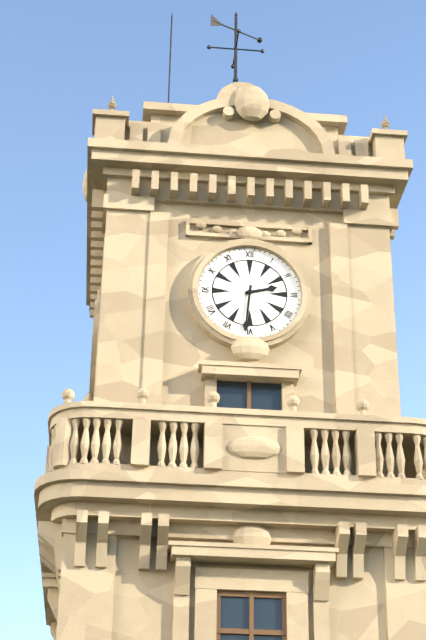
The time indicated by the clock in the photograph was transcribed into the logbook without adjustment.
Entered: 2:31
